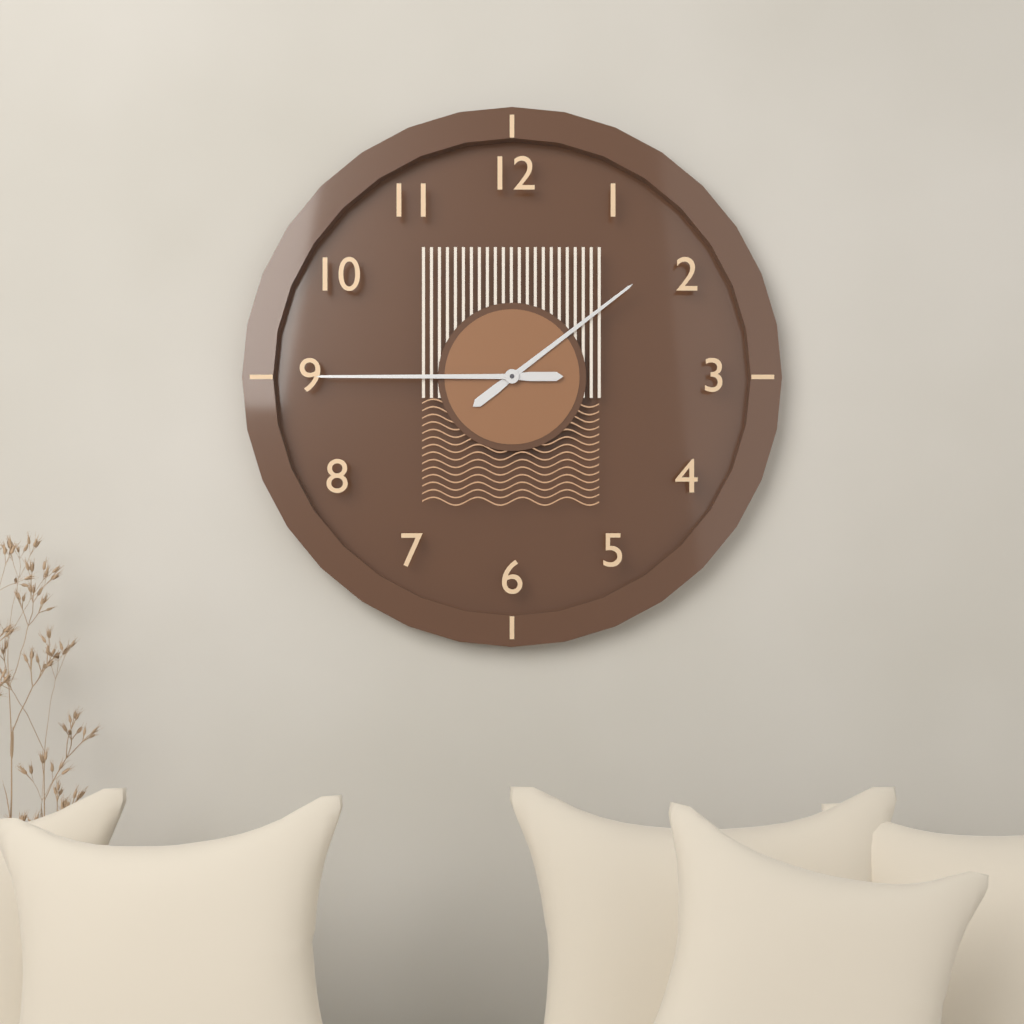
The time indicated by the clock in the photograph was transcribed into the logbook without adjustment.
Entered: 1:45
